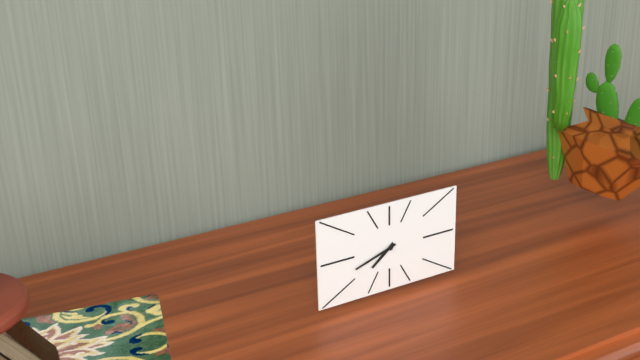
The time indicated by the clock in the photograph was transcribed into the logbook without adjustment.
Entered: 7:42
